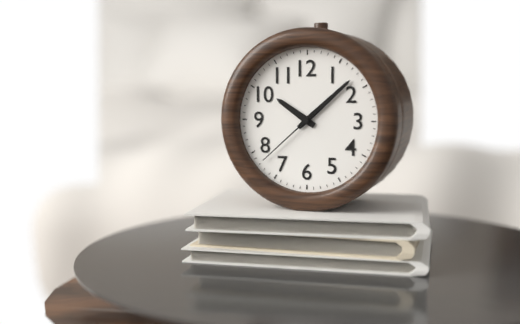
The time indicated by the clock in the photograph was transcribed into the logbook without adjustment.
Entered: 10:08:38
